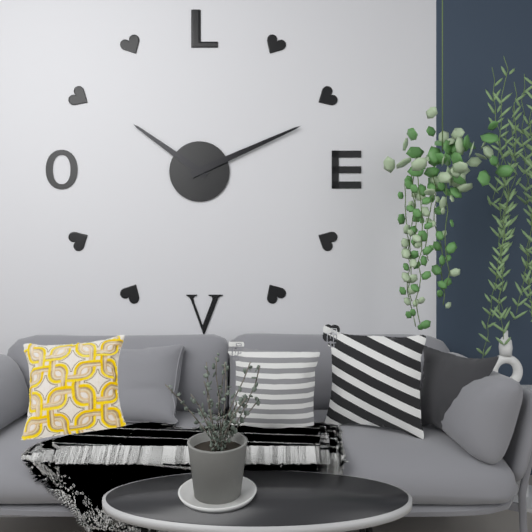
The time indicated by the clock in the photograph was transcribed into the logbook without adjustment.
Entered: 10:11
